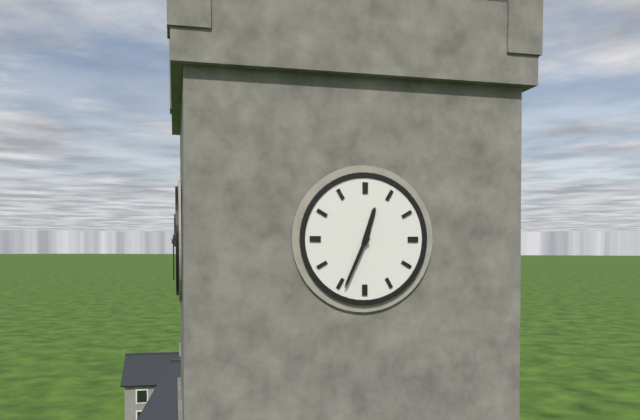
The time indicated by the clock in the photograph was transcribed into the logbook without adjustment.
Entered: 12:34
